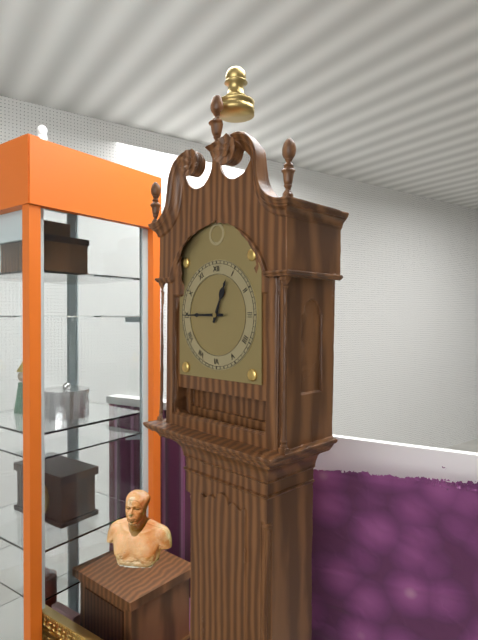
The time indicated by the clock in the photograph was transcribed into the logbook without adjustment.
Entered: 12:45
